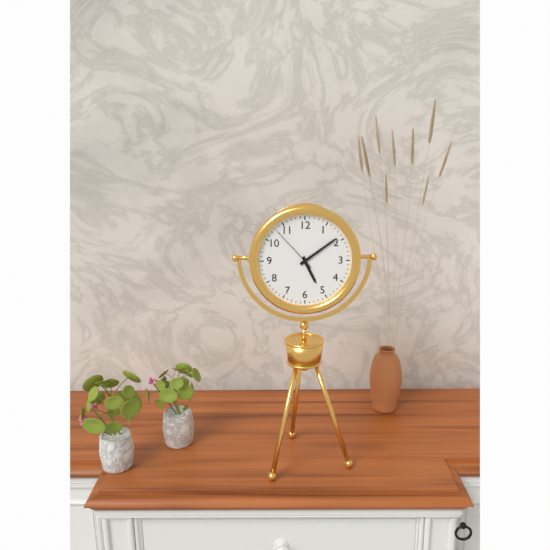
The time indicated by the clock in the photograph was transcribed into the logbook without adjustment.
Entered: 5:09:53
